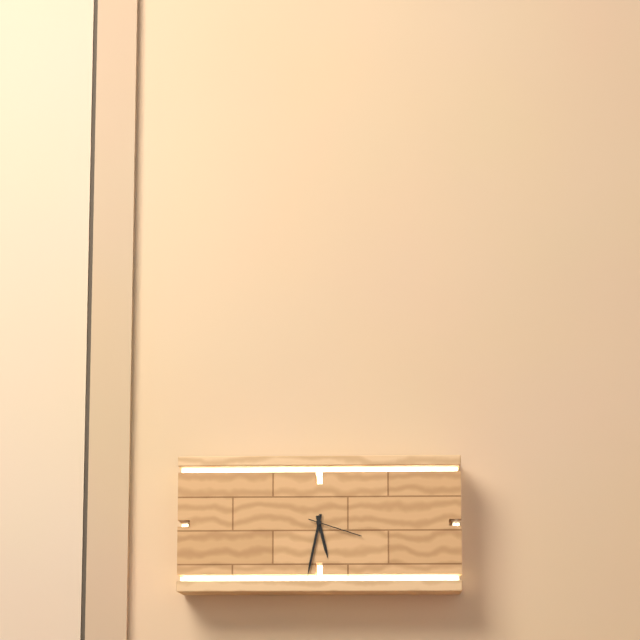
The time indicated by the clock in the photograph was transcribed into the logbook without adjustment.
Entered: 5:32:18
